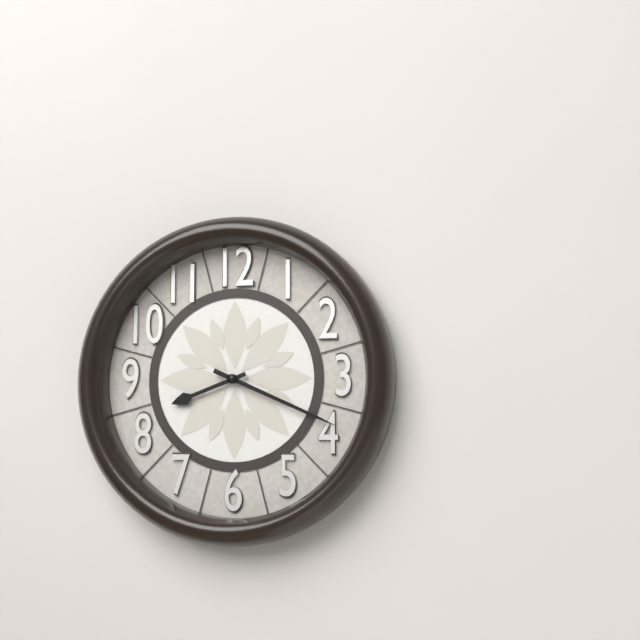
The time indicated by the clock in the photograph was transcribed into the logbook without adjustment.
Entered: 8:19
